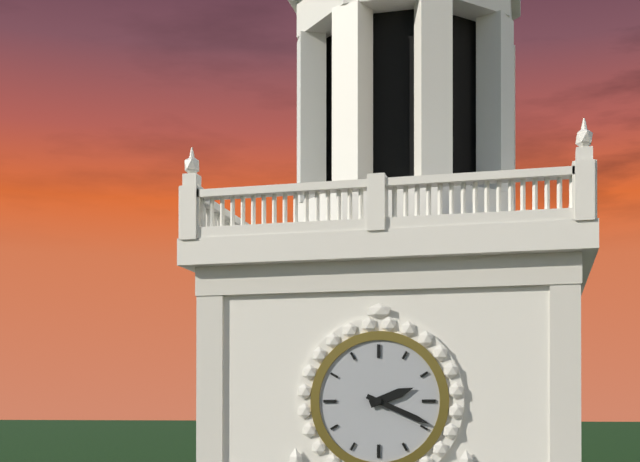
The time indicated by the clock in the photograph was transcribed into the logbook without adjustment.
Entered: 2:19
